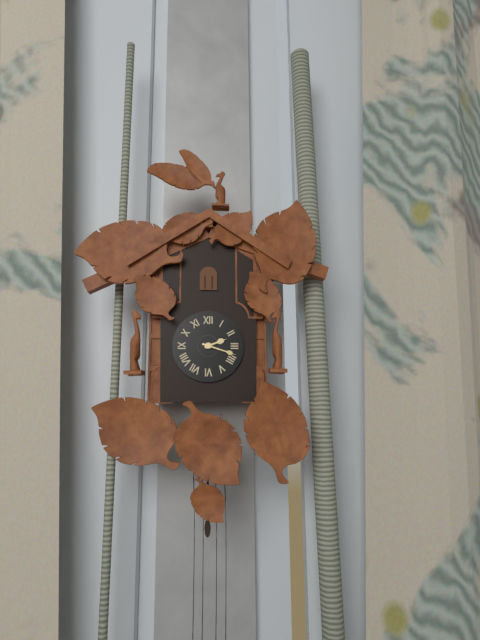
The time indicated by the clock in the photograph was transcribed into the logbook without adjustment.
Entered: 2:18
